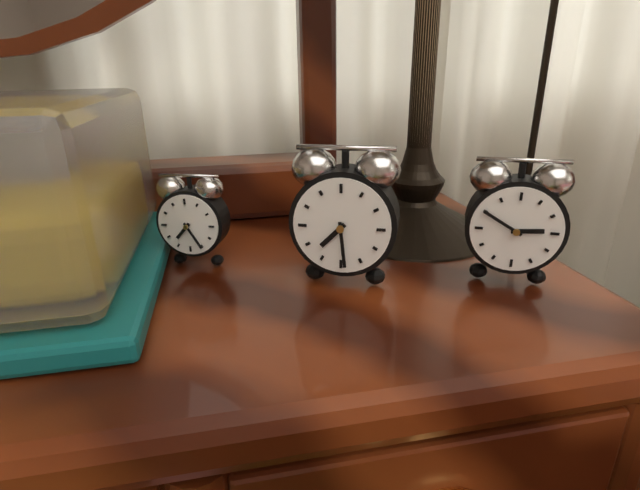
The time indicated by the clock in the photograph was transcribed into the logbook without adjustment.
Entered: 7:29
